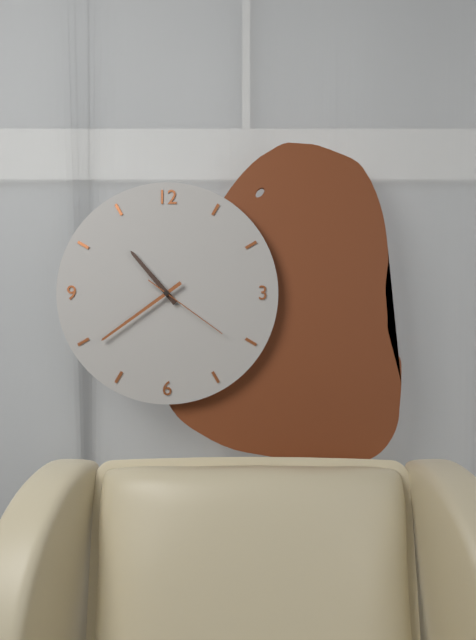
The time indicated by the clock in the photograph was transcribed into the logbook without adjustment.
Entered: 10:39:21
